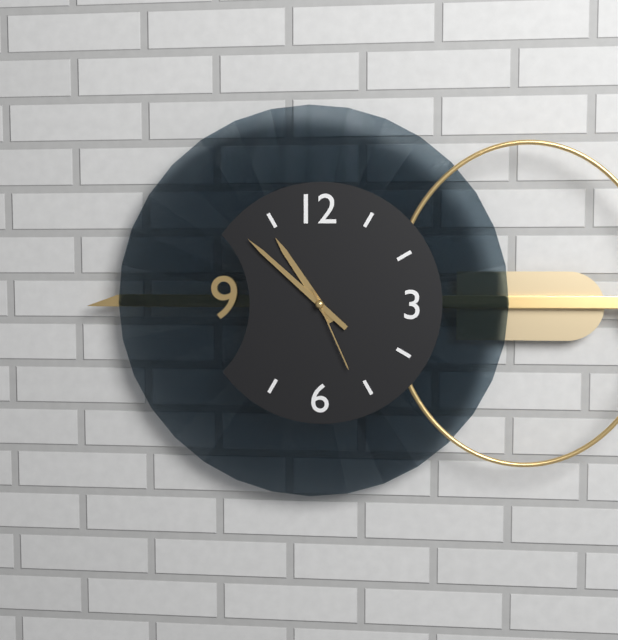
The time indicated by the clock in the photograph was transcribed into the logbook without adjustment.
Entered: 10:52:26
